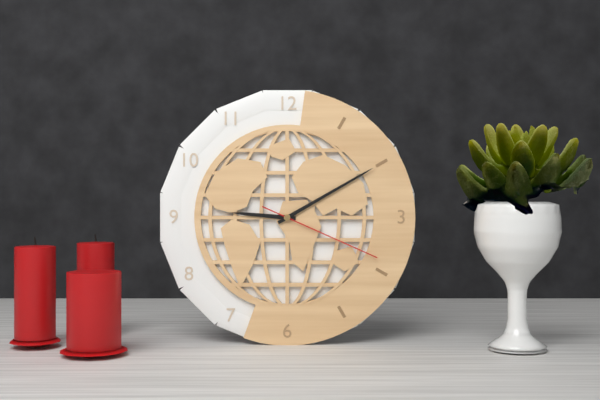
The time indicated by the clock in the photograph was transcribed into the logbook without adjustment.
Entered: 9:10:19
